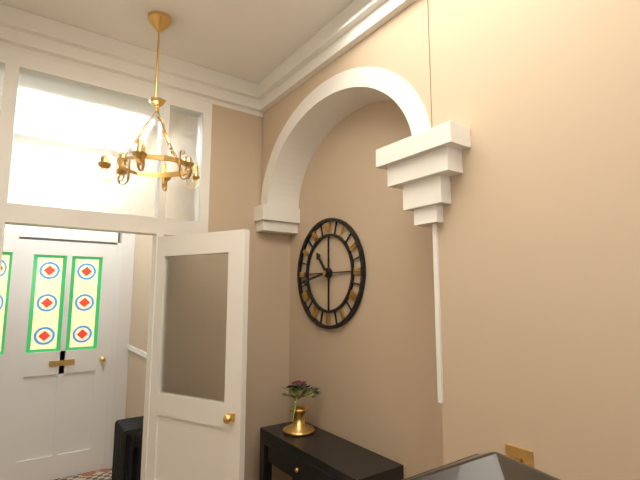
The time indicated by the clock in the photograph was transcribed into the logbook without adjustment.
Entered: 10:43
